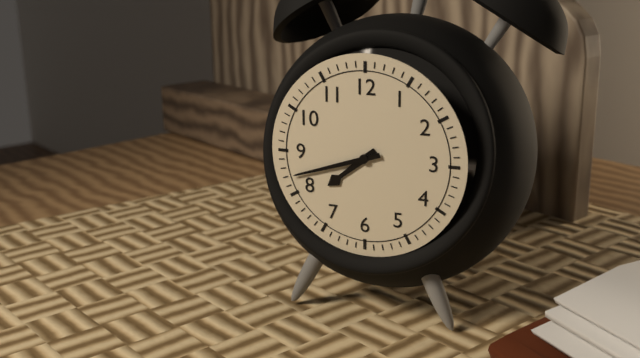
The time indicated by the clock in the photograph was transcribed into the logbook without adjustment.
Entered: 7:42
